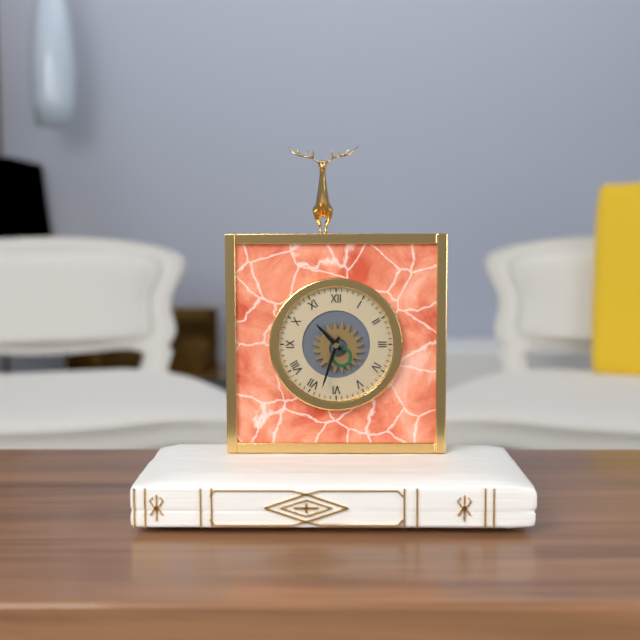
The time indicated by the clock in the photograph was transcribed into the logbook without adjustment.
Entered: 10:33
